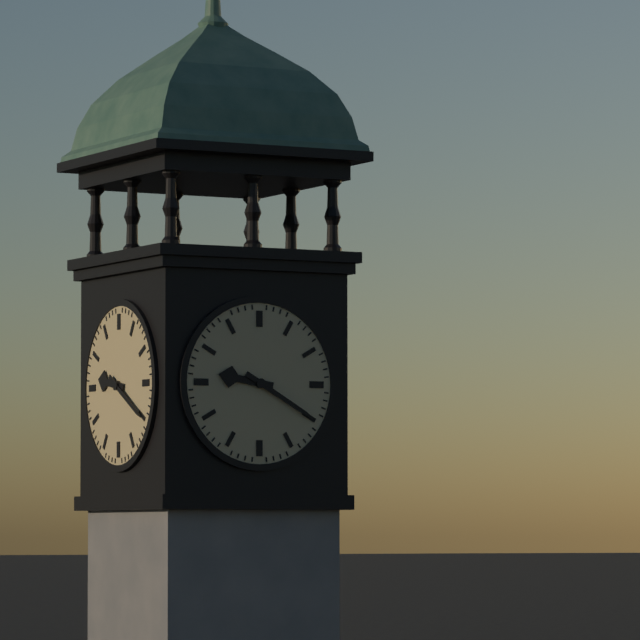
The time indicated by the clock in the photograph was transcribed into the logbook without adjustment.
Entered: 9:20
